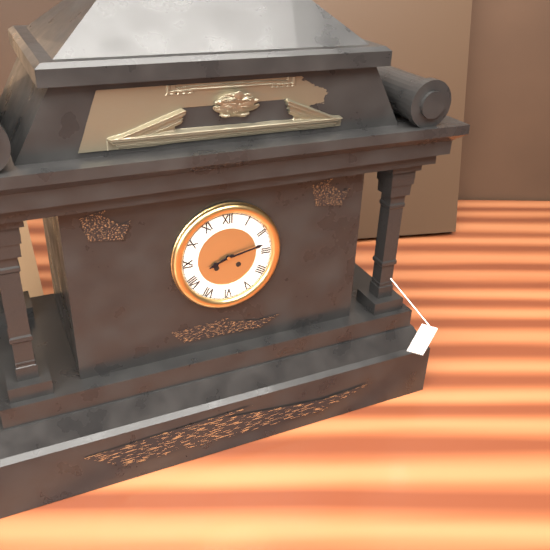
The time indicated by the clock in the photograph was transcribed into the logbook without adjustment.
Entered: 8:13
